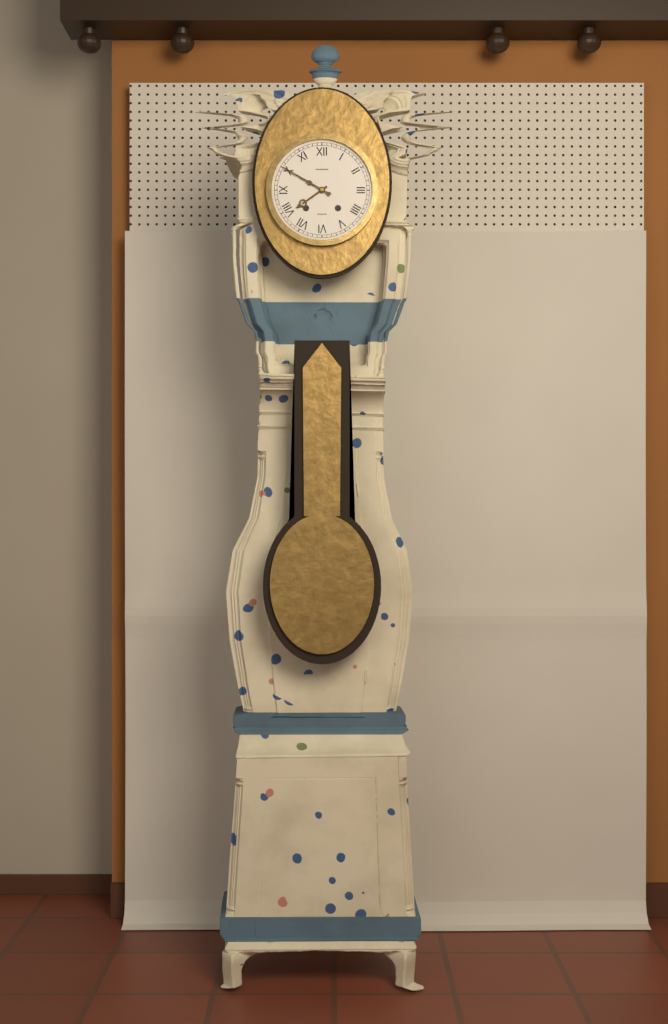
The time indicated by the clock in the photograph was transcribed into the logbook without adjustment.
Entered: 7:50
